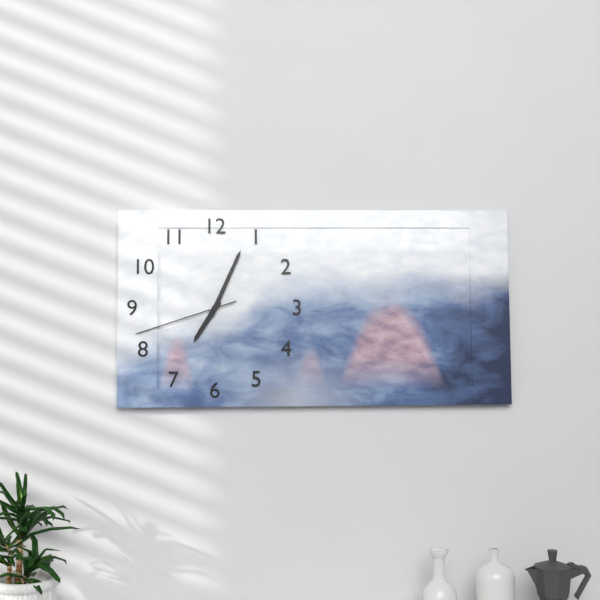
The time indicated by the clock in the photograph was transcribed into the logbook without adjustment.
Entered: 7:04:42
